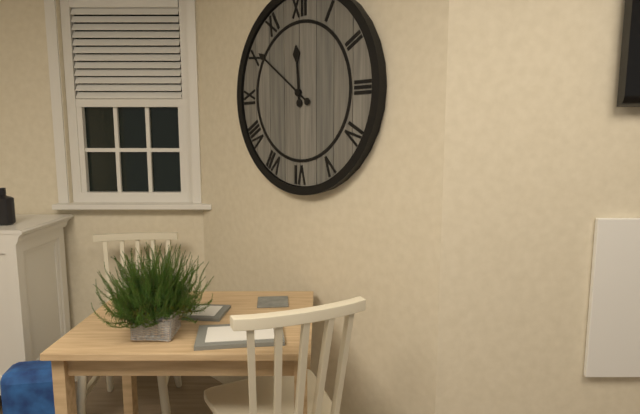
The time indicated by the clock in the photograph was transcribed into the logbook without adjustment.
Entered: 11:51
